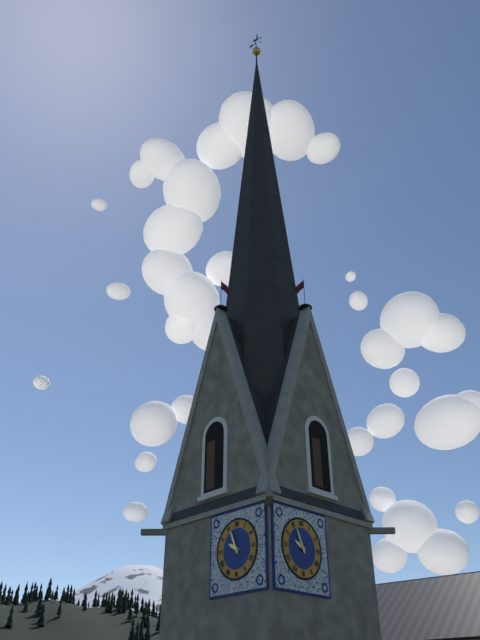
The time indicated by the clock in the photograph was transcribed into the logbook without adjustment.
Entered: 9:56
